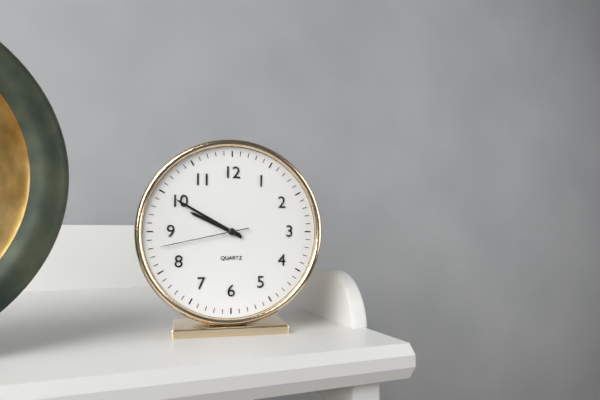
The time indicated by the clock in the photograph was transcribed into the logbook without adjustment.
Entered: 9:50:43
